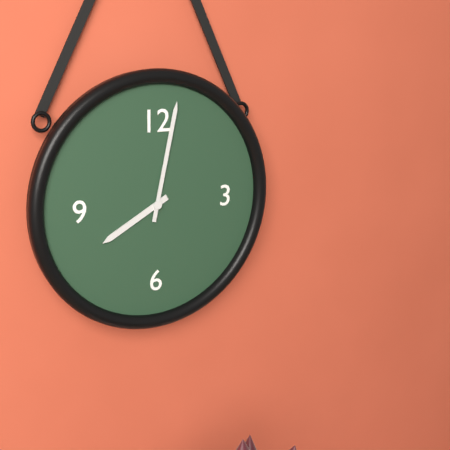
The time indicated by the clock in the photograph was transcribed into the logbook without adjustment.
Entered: 8:02
